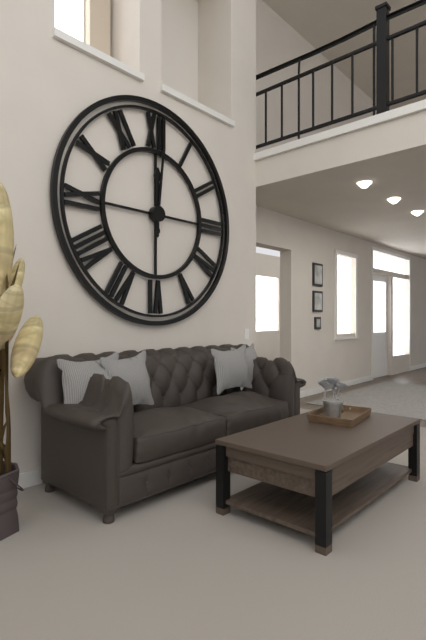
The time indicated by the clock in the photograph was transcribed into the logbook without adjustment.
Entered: 12:01
